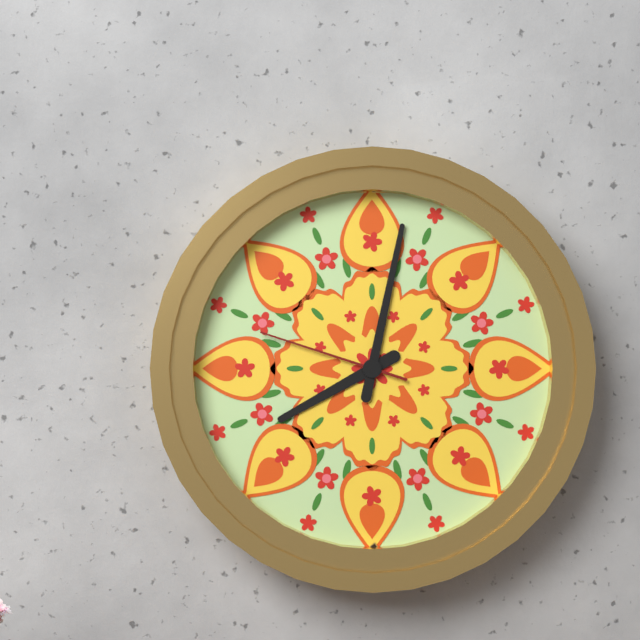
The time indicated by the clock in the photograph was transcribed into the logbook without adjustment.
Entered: 8:02:48
